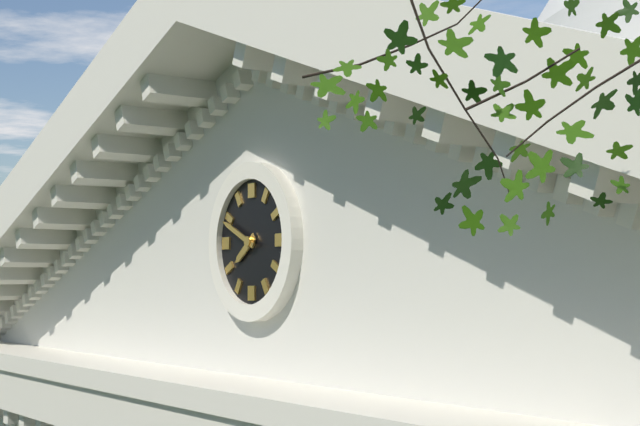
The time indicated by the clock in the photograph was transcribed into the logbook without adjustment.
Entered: 7:49
